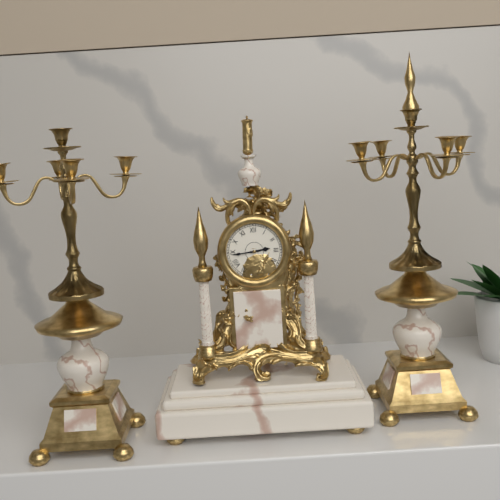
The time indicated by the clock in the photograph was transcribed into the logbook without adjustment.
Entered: 2:44
